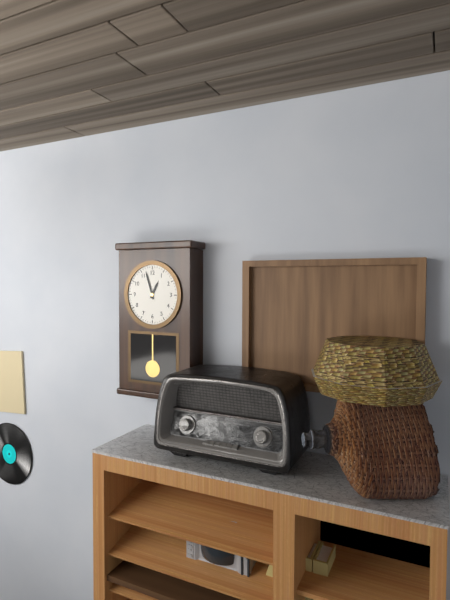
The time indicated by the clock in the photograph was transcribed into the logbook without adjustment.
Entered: 12:57
